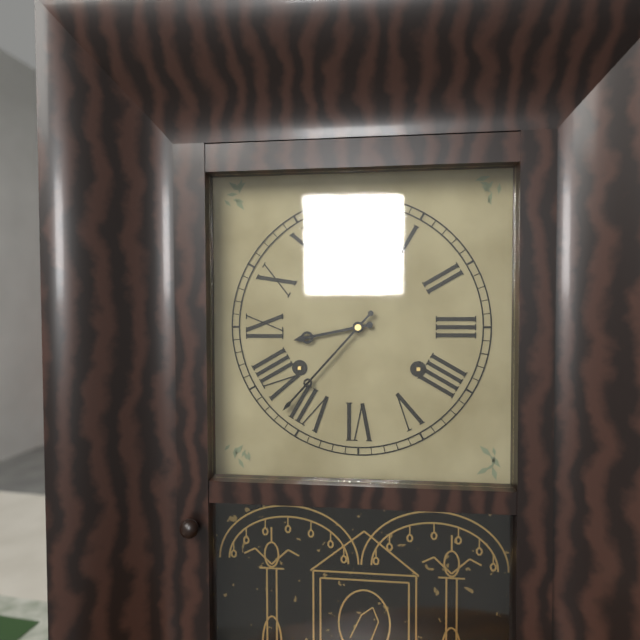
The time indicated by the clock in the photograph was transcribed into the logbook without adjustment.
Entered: 8:37
